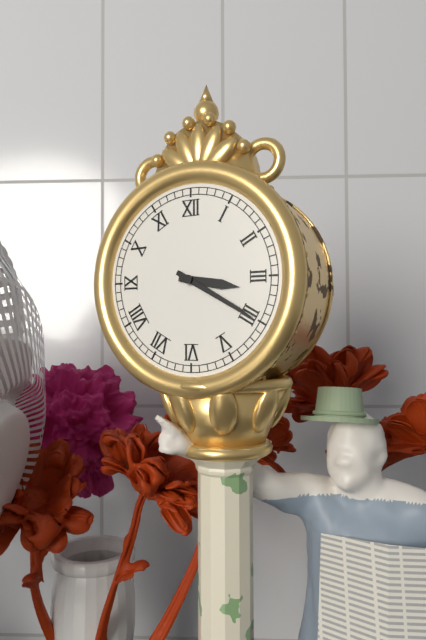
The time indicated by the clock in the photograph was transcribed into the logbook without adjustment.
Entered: 3:20
